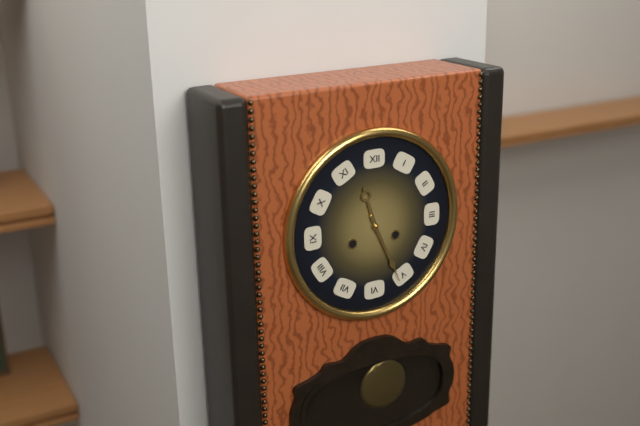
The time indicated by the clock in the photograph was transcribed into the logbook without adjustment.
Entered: 11:26
